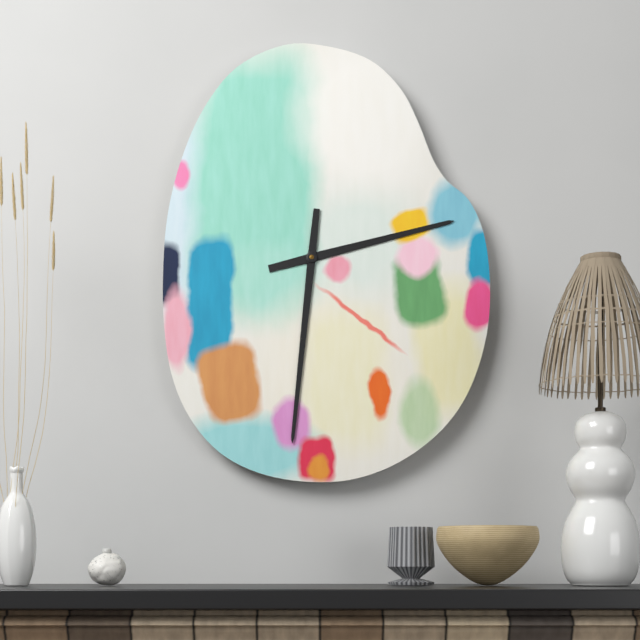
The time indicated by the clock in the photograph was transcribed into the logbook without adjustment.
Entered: 2:31
